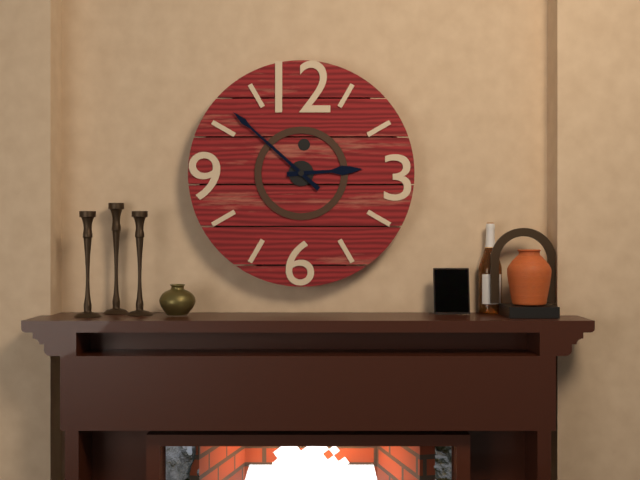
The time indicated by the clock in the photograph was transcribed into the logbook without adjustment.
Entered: 2:52
